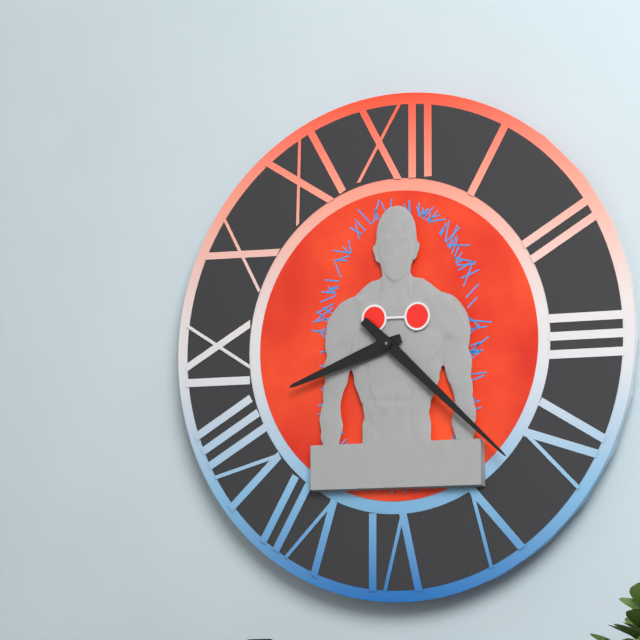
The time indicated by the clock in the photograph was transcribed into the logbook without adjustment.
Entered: 8:22
